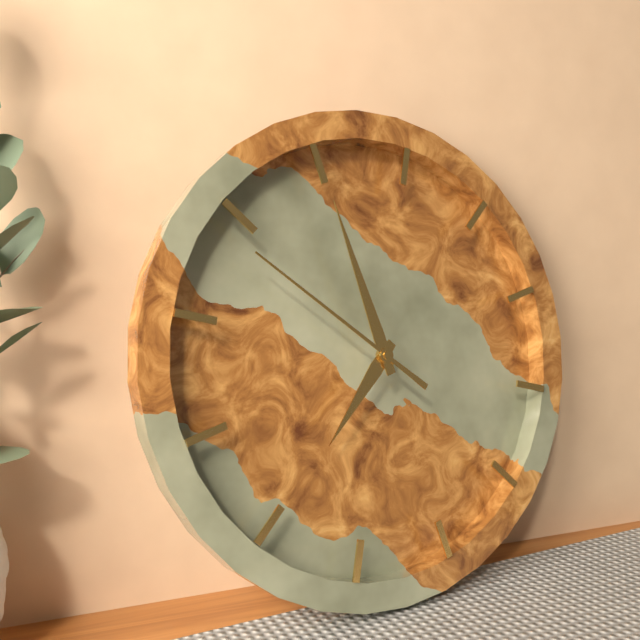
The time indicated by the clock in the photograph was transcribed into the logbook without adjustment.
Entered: 6:55:49
